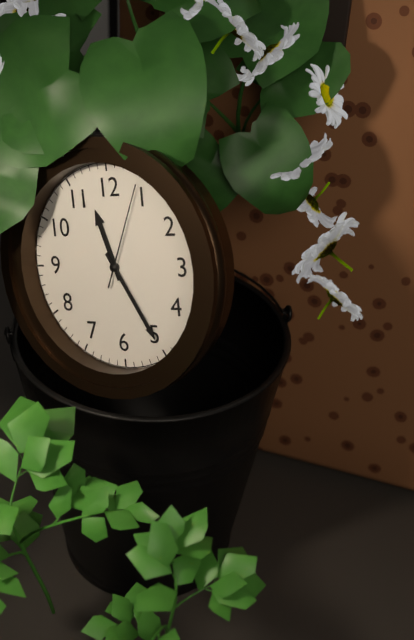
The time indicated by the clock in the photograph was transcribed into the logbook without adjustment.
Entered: 11:25:04
